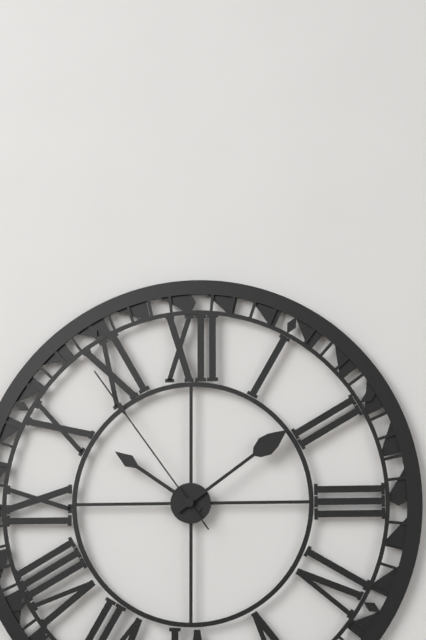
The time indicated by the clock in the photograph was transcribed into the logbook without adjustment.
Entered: 10:09:54
